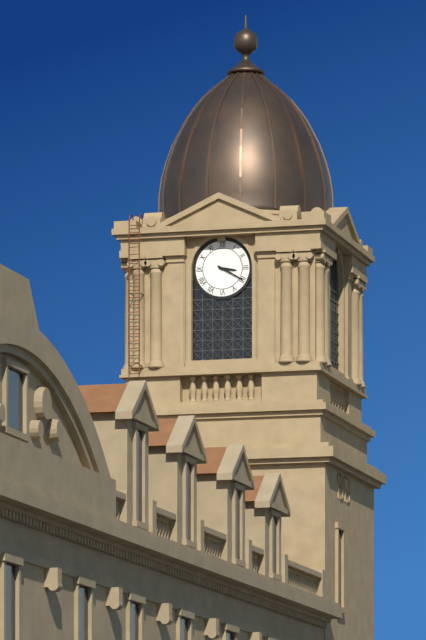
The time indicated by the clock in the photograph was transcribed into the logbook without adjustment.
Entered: 3:20
